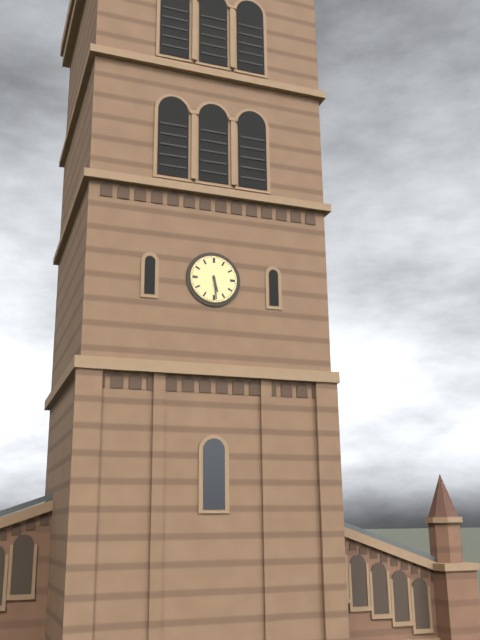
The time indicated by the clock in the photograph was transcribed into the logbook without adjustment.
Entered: 5:29
